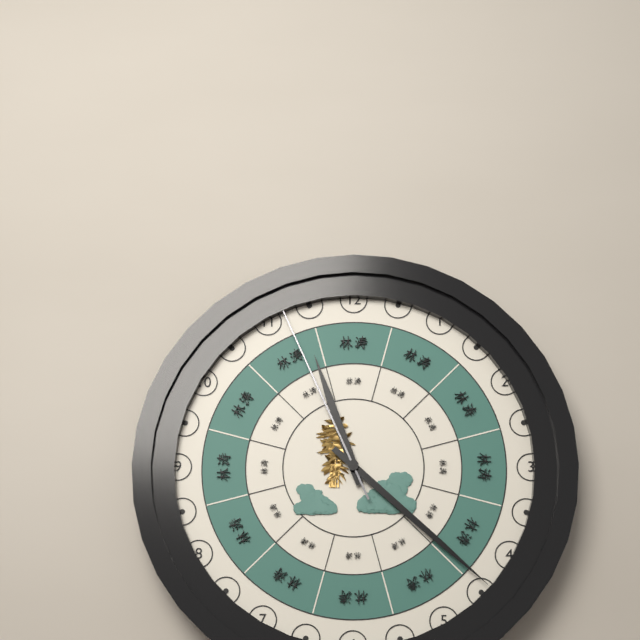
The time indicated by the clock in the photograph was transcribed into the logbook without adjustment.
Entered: 11:22:56
